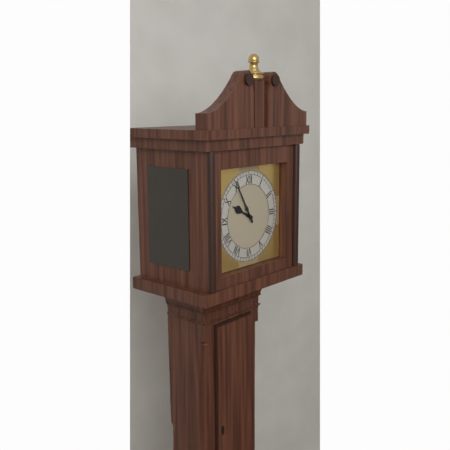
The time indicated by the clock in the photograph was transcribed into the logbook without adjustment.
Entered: 9:55
